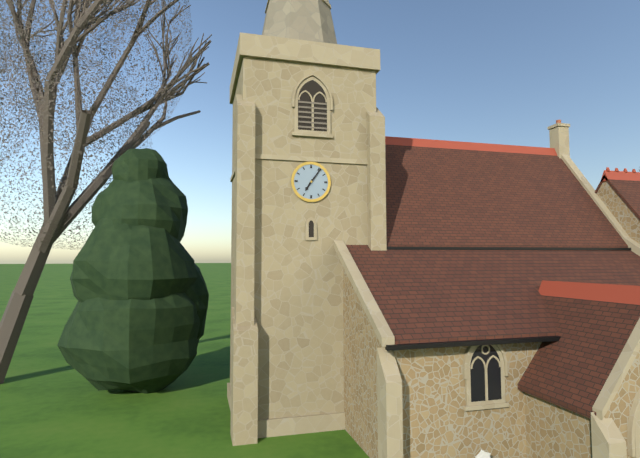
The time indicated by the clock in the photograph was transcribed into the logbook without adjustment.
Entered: 7:06
